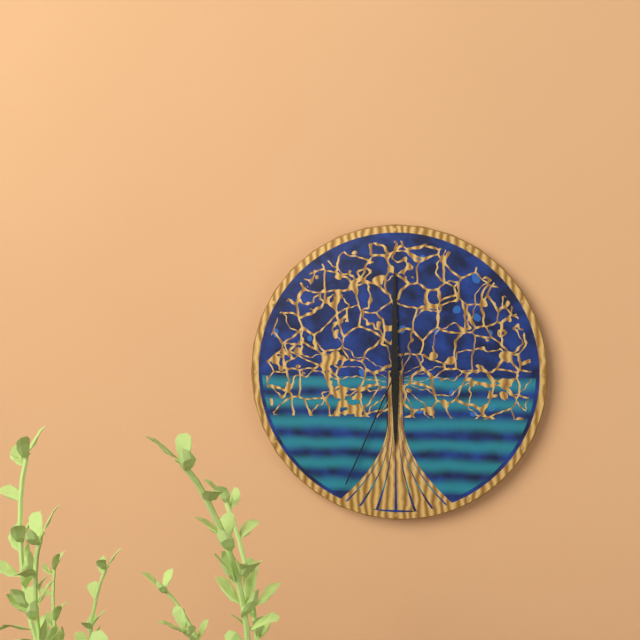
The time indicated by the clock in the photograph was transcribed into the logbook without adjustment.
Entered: 6:00:34
